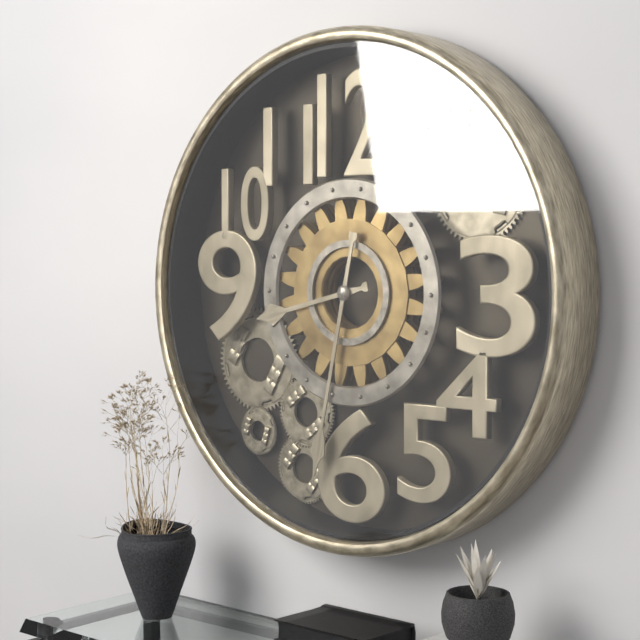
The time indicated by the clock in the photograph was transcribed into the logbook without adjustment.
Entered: 8:32
